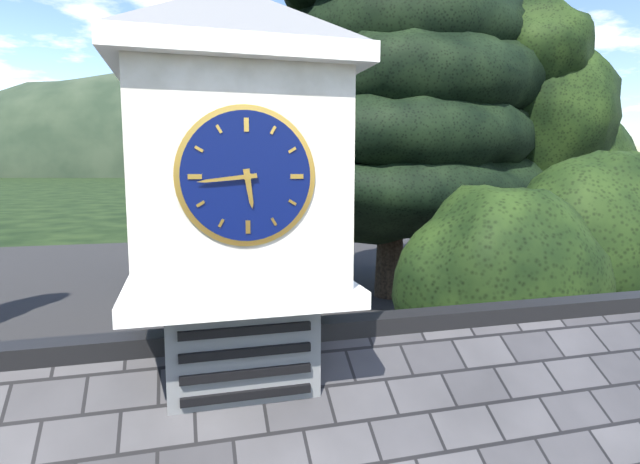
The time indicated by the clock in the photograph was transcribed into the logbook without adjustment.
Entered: 5:44
